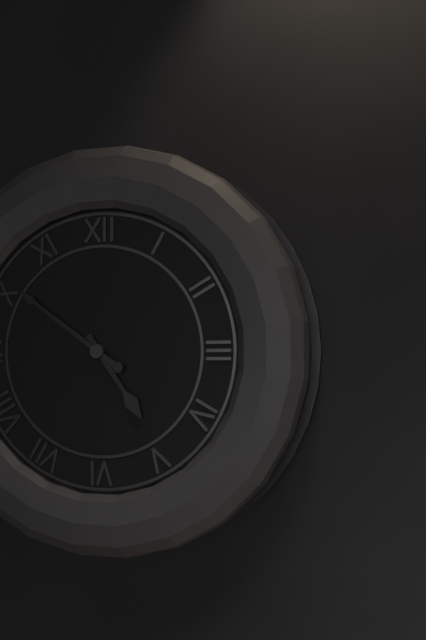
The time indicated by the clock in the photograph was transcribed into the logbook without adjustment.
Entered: 4:51
